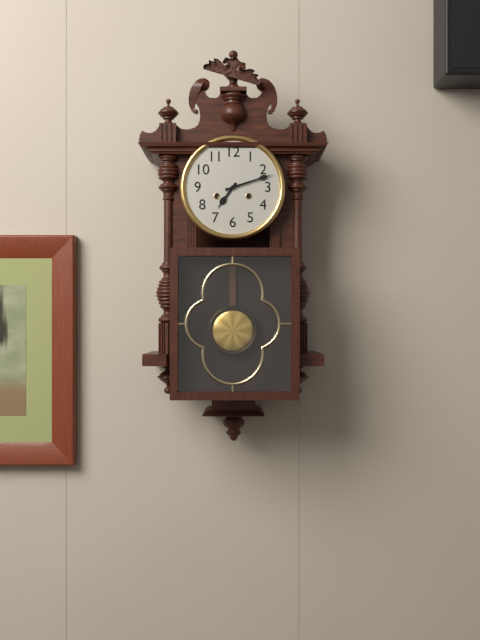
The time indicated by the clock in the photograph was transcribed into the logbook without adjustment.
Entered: 7:12
